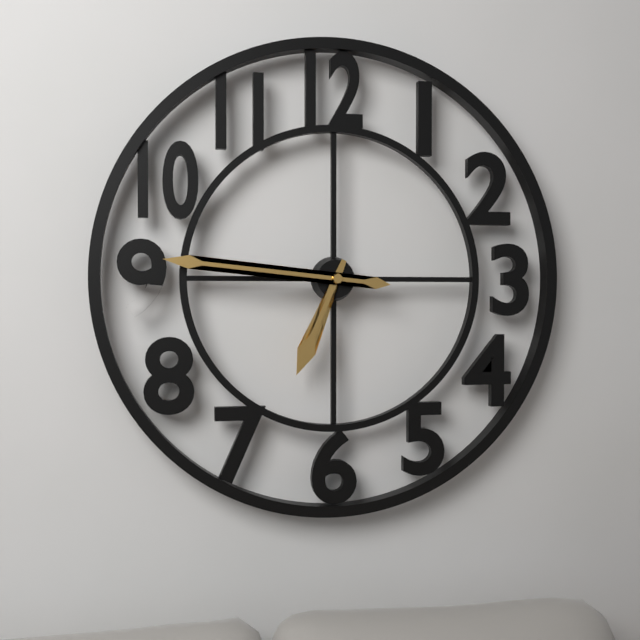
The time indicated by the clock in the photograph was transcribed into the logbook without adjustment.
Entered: 6:46
